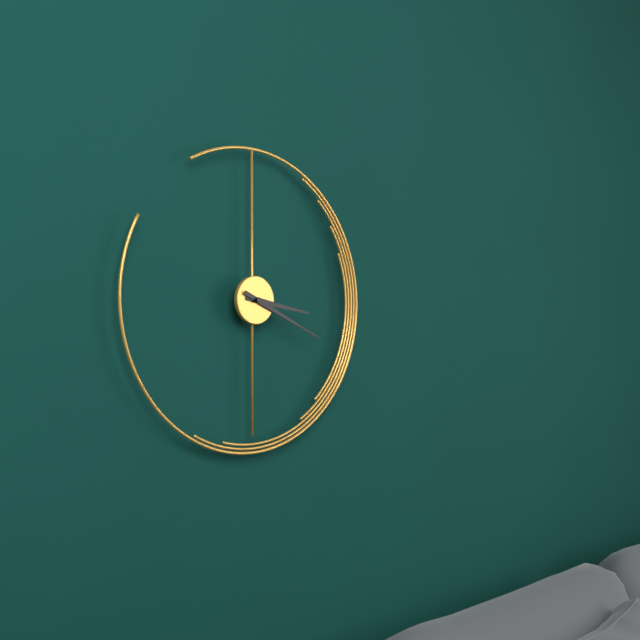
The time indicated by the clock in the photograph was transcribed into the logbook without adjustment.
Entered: 3:19
